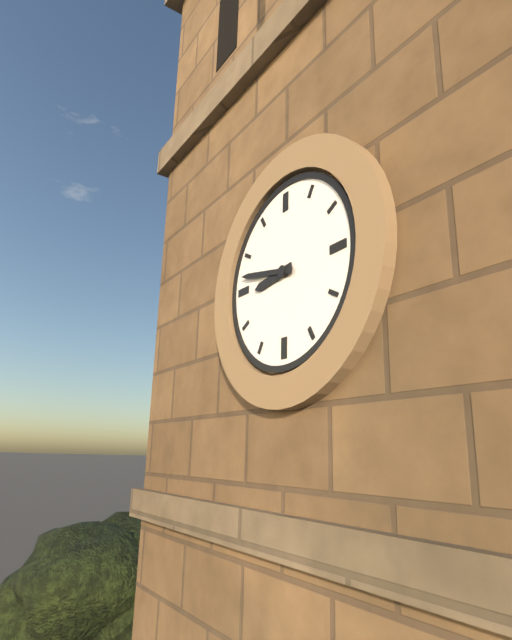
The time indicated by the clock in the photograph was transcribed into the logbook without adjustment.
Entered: 8:47
